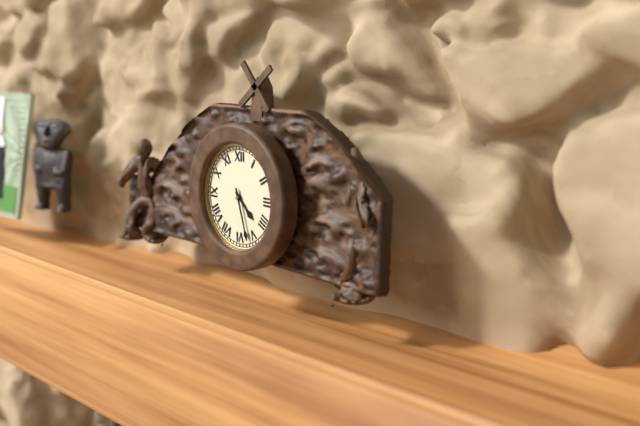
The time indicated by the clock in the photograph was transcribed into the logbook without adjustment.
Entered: 4:27
